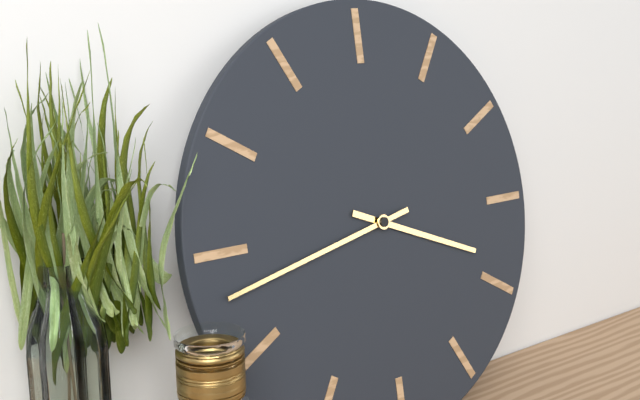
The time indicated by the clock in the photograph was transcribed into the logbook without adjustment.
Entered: 3:43
